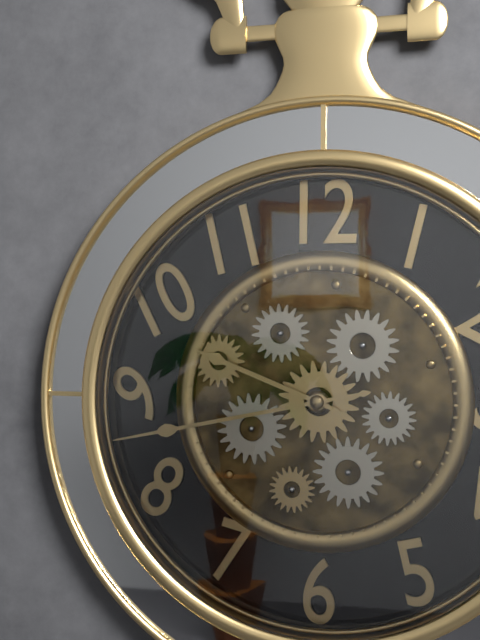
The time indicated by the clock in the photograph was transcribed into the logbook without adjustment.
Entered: 9:43
